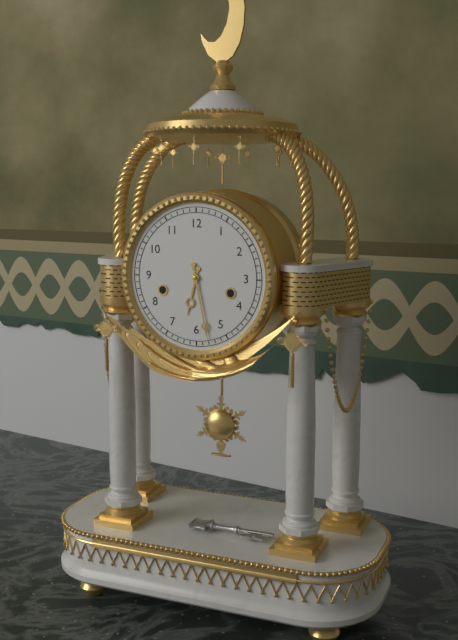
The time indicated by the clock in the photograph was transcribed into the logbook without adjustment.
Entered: 6:28
